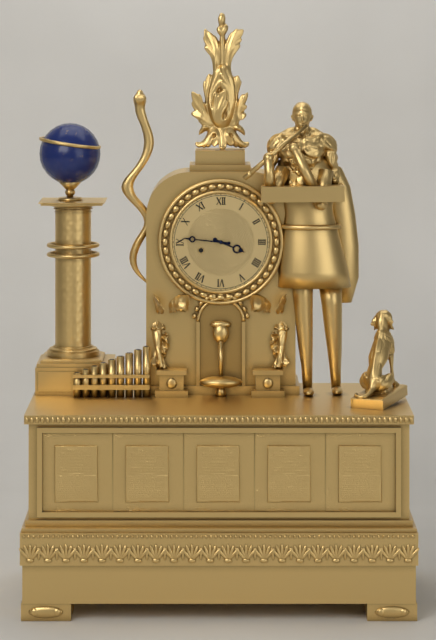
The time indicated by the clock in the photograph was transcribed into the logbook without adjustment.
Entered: 3:46
